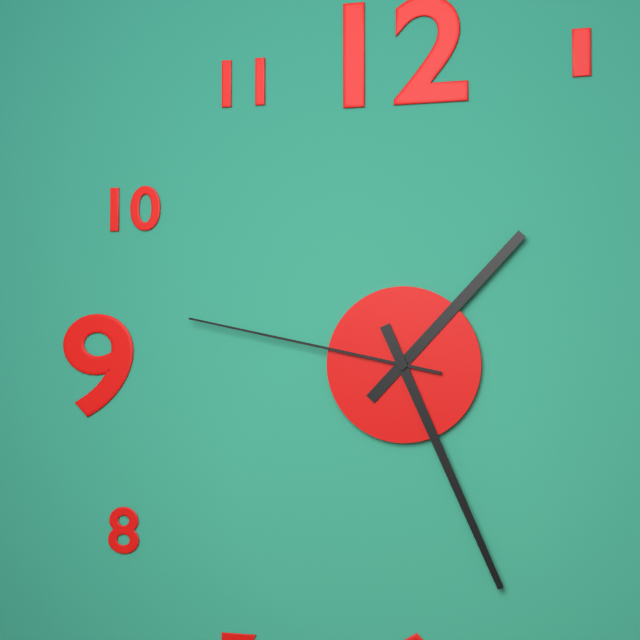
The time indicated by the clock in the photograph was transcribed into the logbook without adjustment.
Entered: 1:26:47
